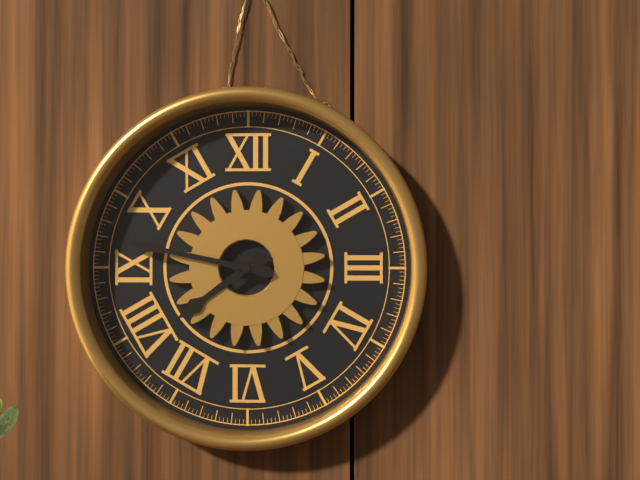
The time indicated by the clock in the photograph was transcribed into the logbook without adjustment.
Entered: 7:47
